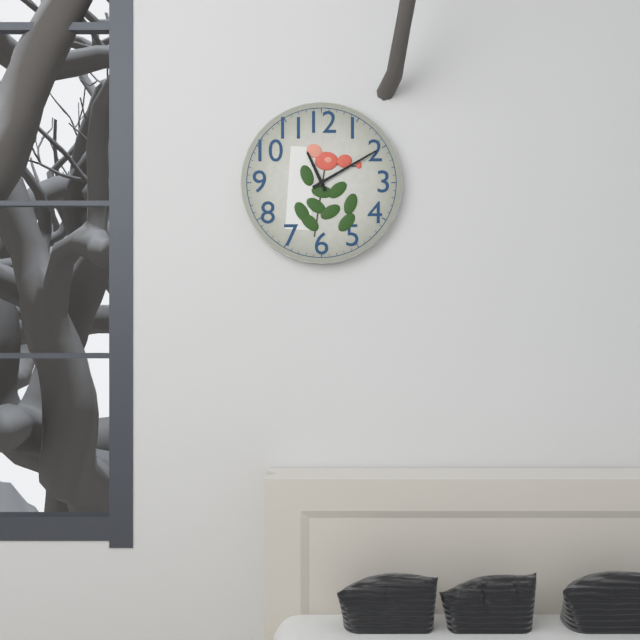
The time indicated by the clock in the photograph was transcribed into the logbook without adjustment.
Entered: 11:10
